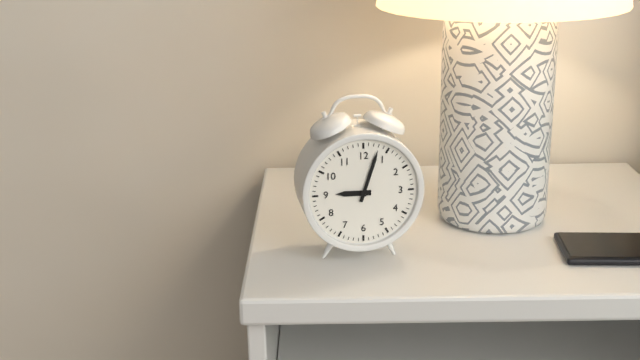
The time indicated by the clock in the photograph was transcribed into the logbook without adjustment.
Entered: 9:03
